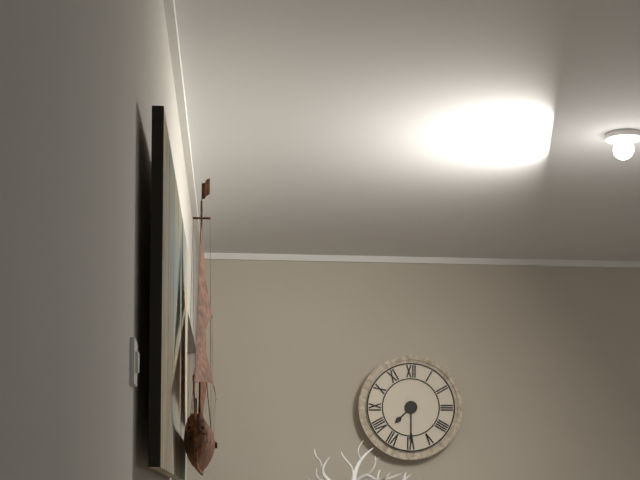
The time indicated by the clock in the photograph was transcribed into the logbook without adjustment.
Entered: 7:30
